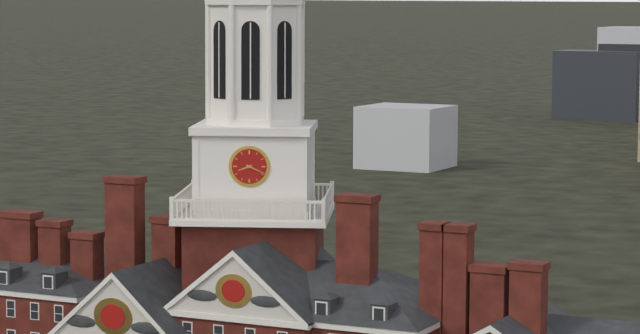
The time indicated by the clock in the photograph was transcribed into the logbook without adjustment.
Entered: 8:19
